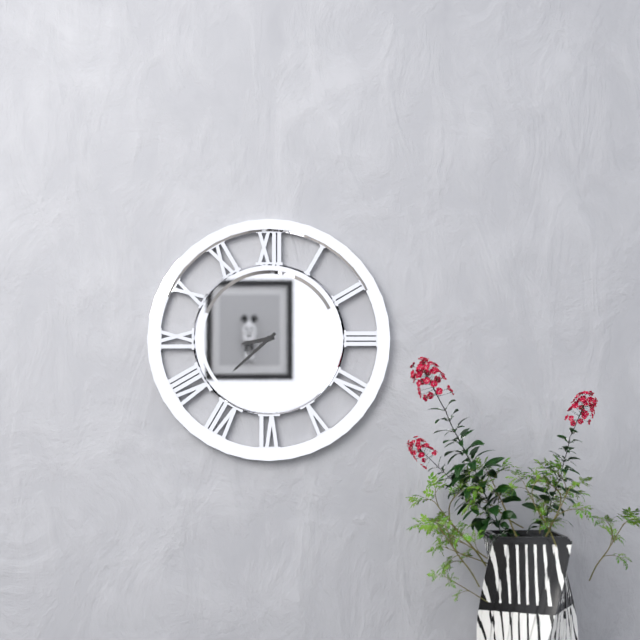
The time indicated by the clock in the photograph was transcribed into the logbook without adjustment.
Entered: 8:38
